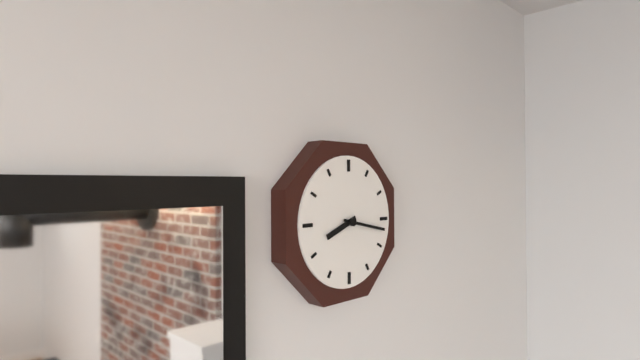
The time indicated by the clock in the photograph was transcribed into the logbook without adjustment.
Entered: 8:17
